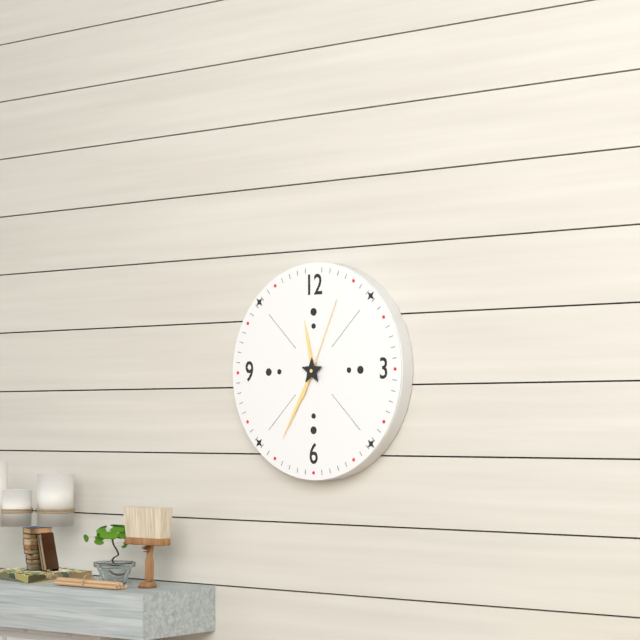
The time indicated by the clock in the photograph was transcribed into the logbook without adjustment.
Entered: 11:35:04
